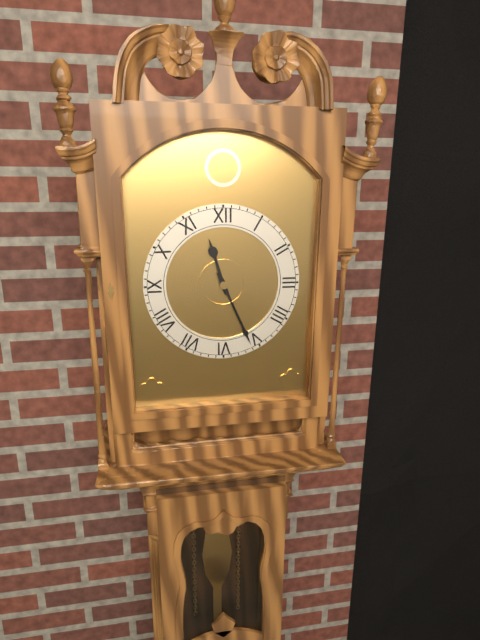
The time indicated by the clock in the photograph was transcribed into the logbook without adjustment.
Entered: 11:26
